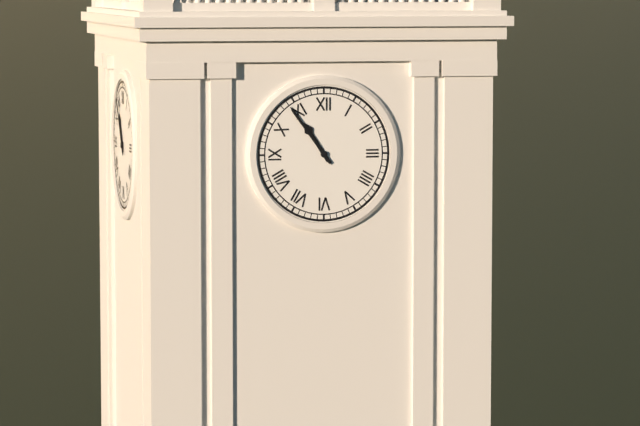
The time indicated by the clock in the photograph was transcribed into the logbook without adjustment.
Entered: 10:54
